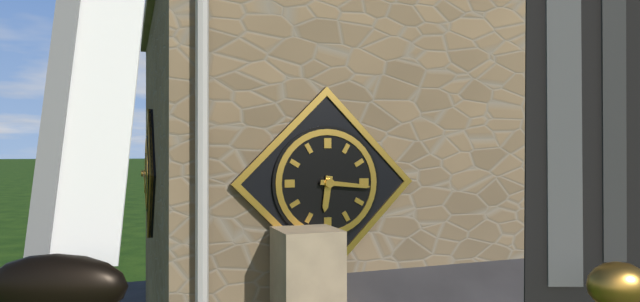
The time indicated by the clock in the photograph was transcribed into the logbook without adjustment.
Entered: 6:16
